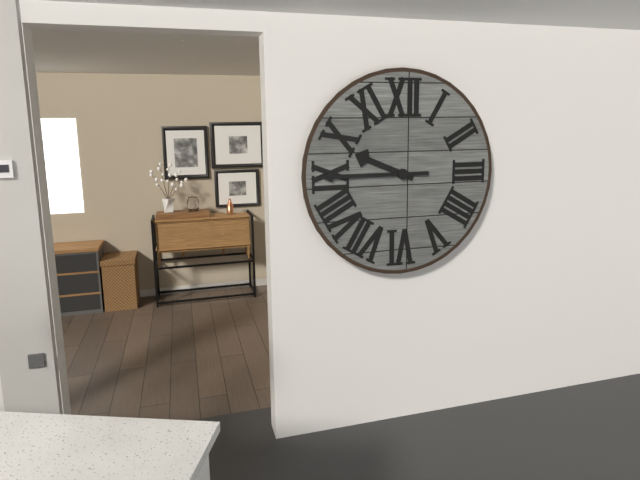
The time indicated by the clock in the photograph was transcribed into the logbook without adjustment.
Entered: 9:45
